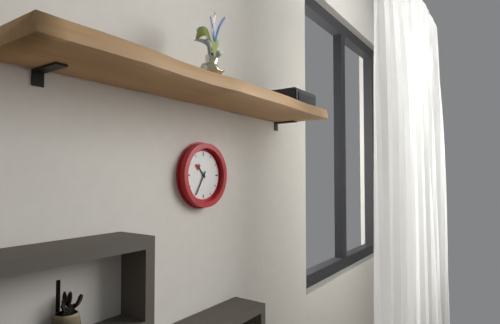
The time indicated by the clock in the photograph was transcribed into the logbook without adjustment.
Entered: 10:35
